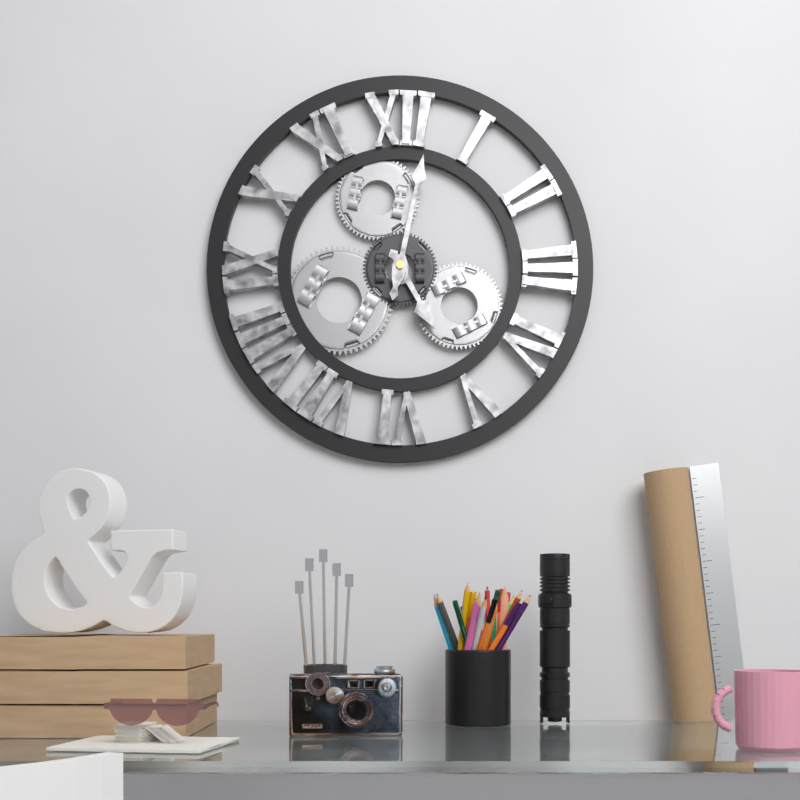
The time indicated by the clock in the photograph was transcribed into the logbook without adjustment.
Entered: 5:02
